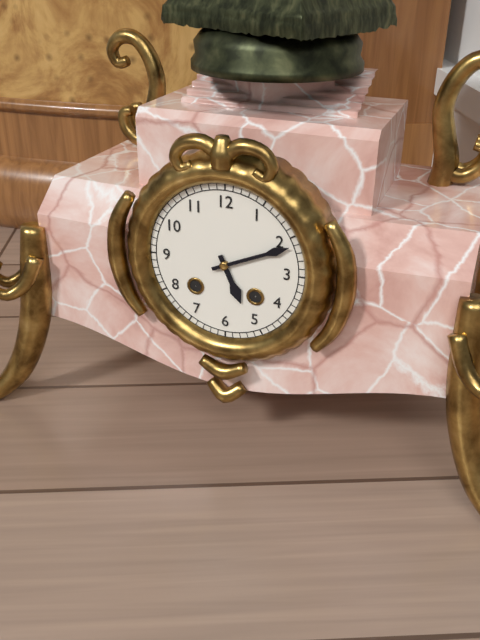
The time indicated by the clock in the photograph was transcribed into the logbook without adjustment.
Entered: 5:11
